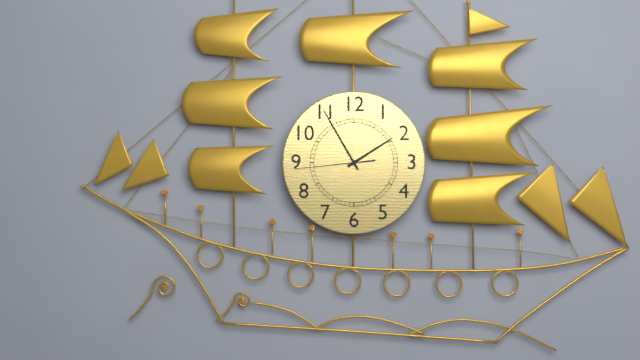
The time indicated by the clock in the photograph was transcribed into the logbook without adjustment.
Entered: 1:55:44
